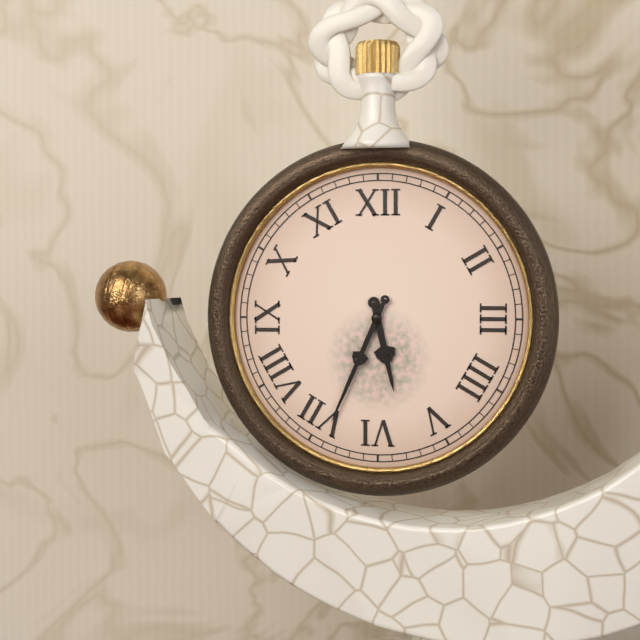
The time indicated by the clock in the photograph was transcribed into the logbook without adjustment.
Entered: 5:34
